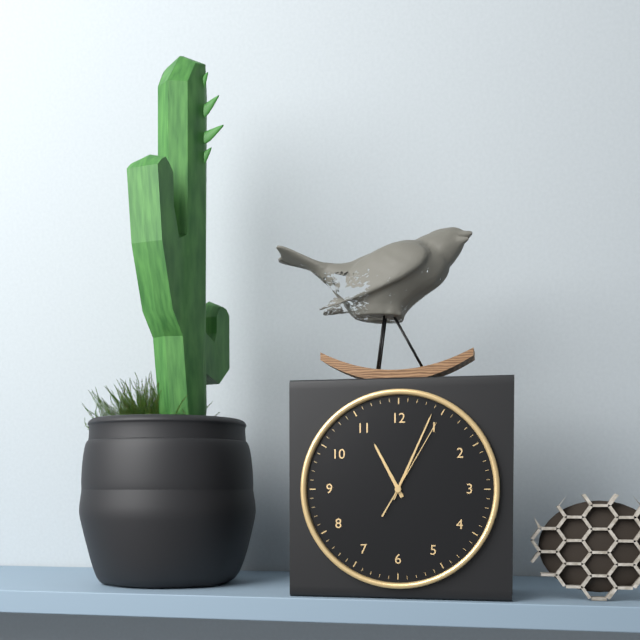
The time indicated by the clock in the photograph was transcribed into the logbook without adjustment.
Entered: 11:04:05
